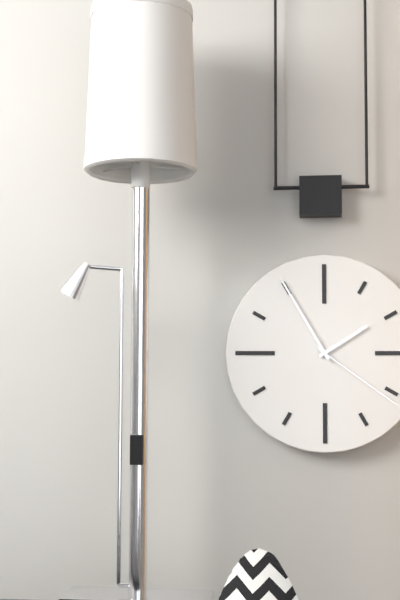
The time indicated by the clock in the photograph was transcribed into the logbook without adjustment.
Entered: 1:55:21
